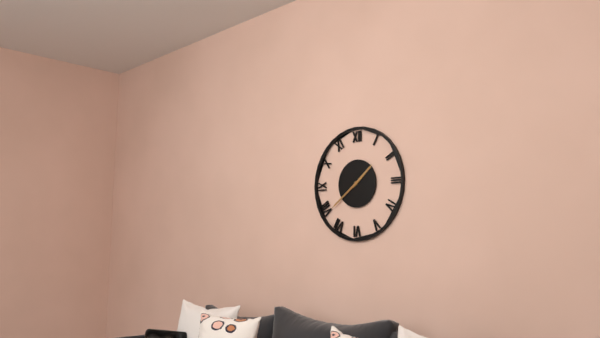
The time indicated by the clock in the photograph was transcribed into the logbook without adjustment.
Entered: 1:39
